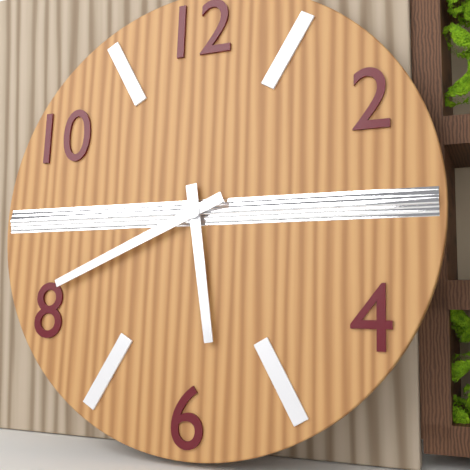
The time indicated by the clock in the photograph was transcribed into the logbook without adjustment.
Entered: 5:41
